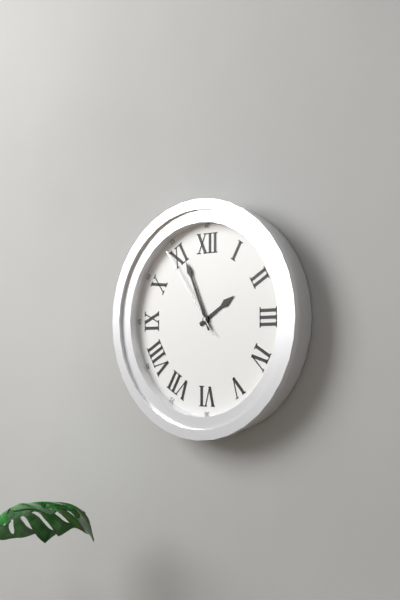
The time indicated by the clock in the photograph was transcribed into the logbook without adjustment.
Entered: 1:56:54
